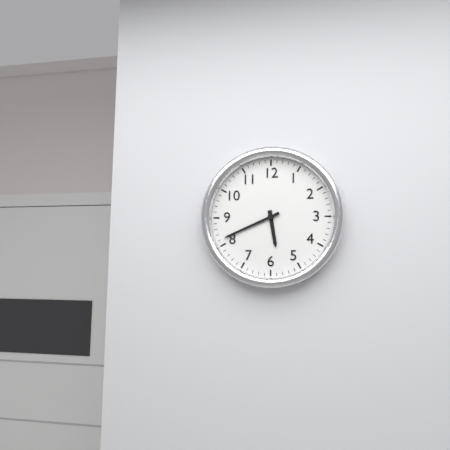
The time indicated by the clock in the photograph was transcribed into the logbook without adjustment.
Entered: 5:41
